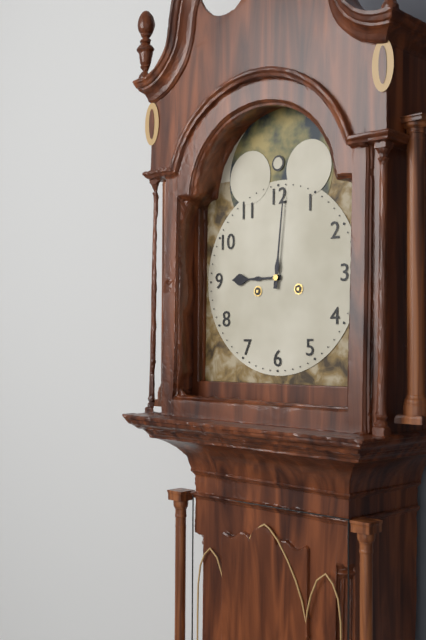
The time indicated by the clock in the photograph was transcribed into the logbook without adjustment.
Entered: 9:01
